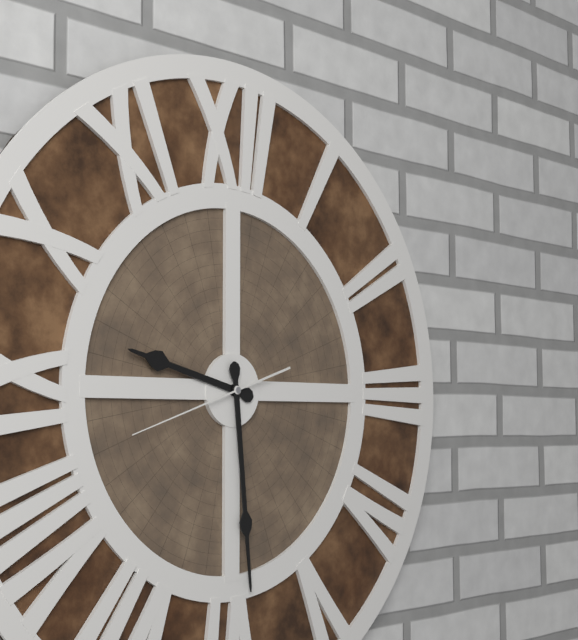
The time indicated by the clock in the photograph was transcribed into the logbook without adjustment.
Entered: 9:29:42
